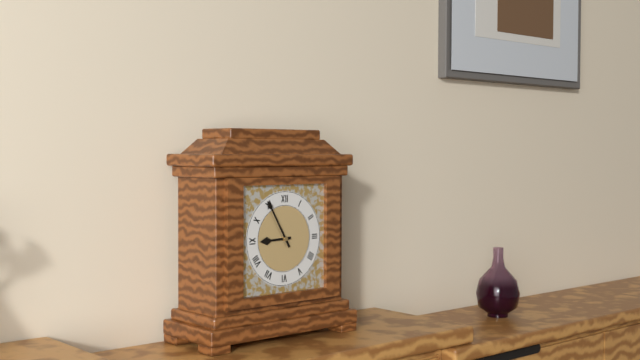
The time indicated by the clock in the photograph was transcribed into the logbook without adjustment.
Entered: 8:55
